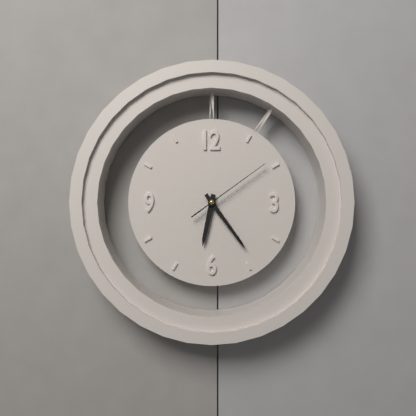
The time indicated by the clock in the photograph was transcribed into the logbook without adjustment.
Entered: 6:24:09
